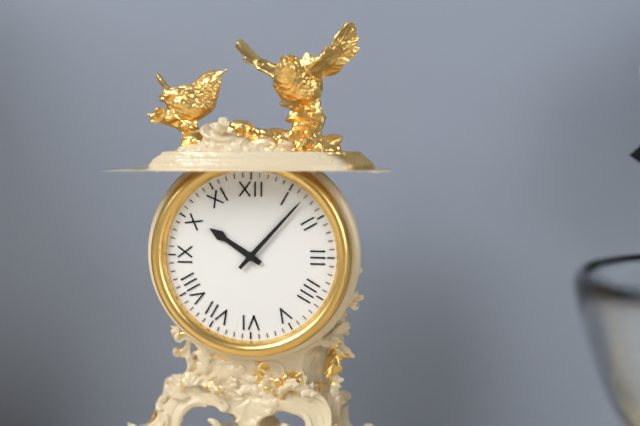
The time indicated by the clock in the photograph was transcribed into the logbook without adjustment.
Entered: 10:07
